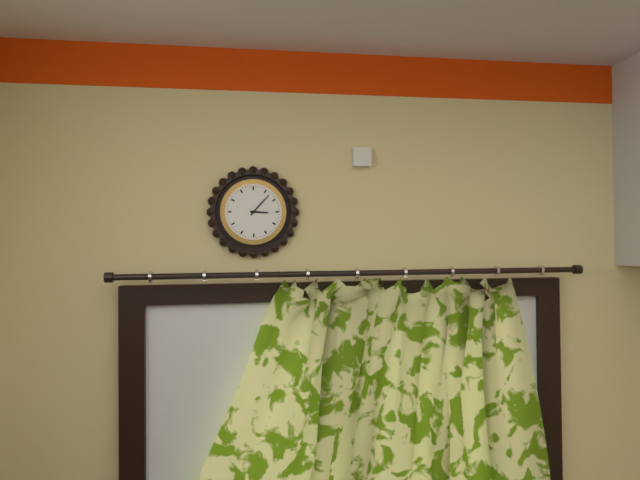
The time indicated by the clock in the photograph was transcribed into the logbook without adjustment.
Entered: 3:07
